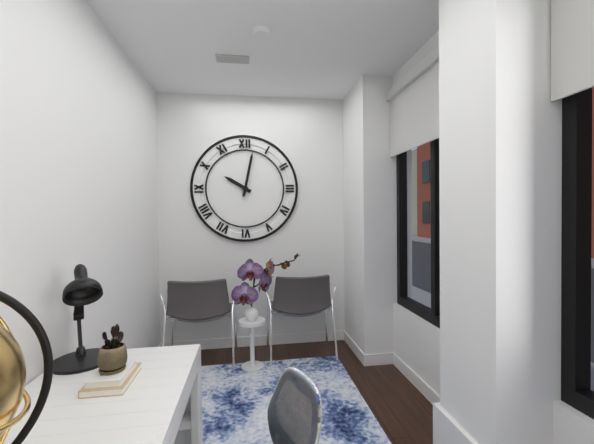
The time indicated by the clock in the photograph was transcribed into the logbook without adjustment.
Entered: 10:02
